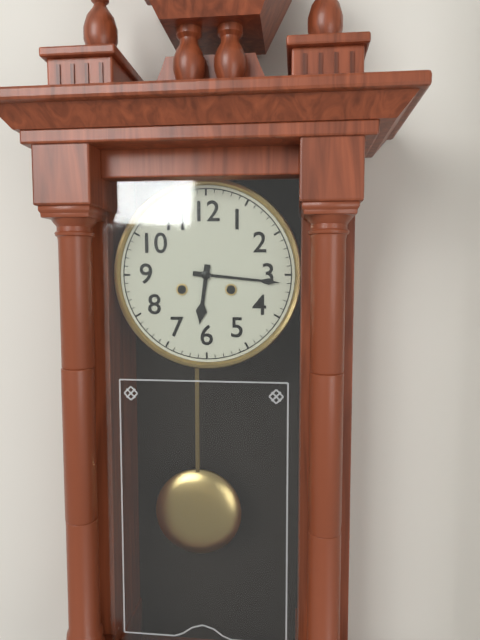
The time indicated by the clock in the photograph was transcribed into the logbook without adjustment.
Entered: 6:16
